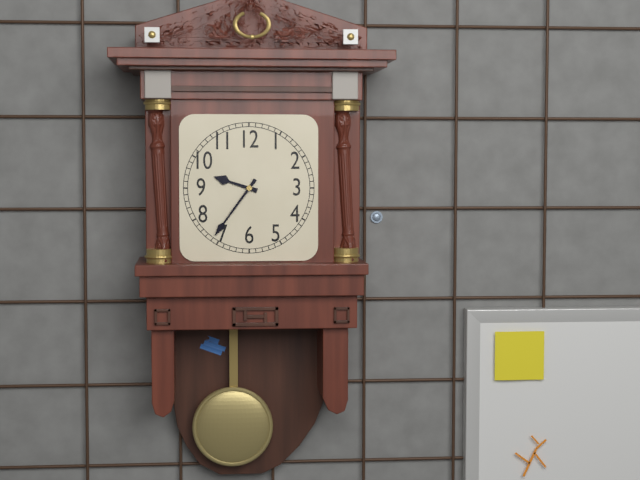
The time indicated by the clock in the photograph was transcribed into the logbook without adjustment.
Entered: 9:36
